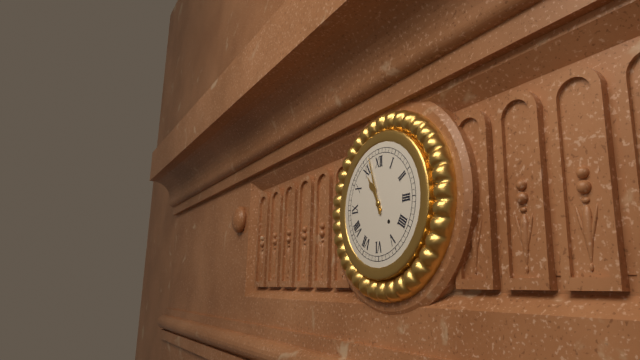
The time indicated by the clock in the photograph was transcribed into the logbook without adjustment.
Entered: 10:57
